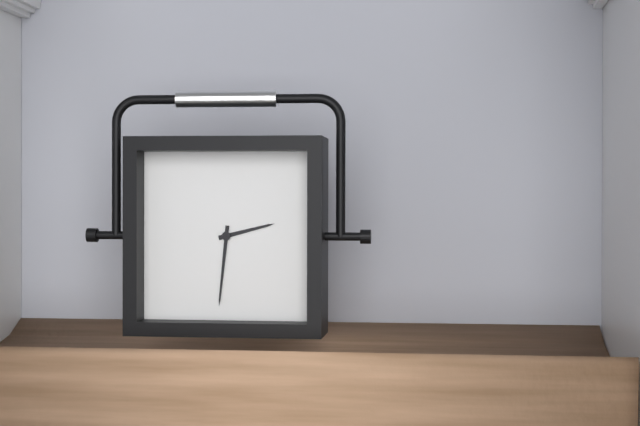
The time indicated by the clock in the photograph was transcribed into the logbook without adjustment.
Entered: 2:31
